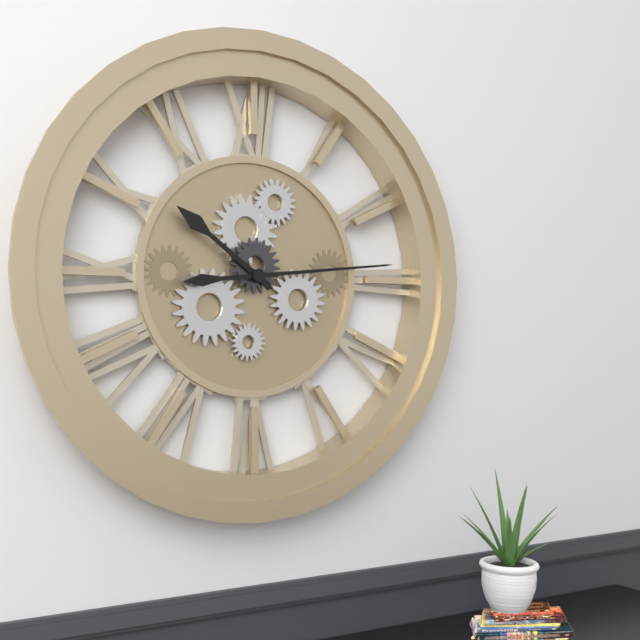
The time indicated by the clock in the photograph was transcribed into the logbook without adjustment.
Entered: 10:14
